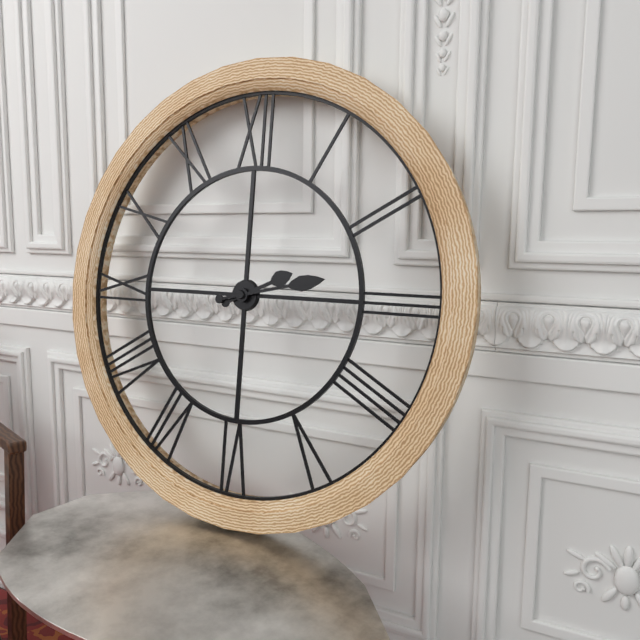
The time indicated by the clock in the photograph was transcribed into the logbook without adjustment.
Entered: 2:13
